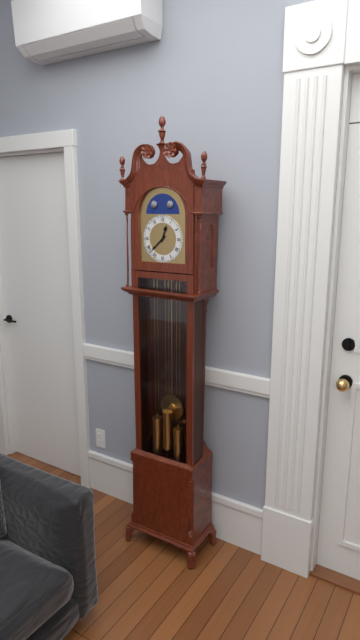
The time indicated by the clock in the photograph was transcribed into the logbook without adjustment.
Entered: 12:38
